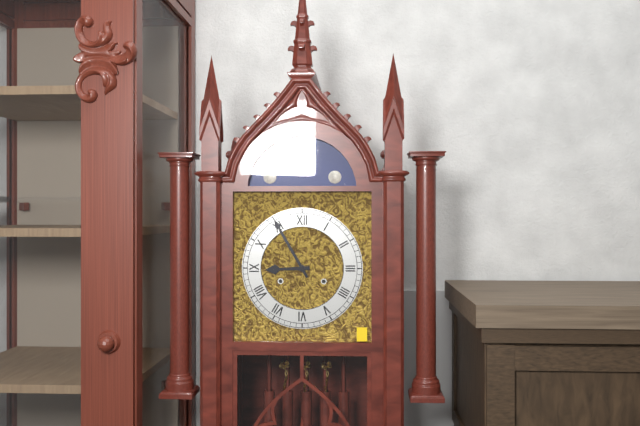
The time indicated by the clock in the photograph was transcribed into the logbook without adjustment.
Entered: 8:55
